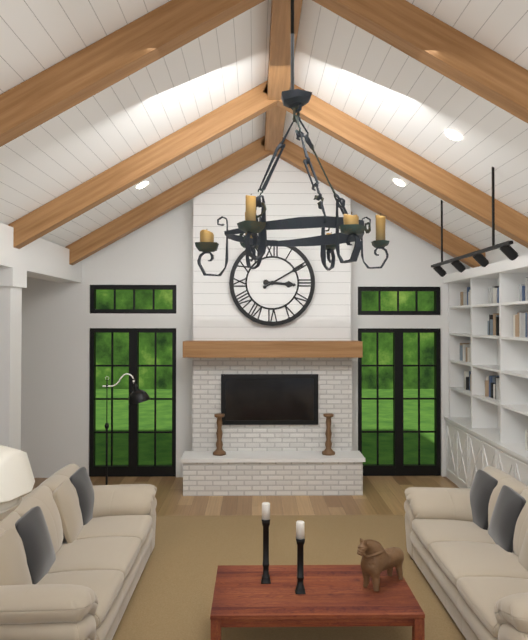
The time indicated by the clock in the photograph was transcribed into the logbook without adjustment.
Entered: 3:10
